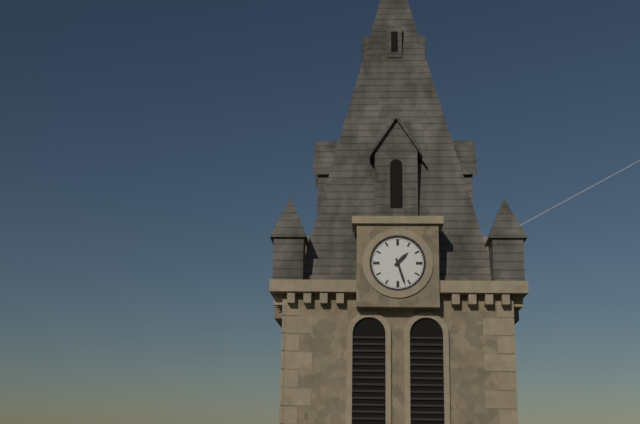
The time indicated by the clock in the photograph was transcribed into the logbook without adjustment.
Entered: 1:27
